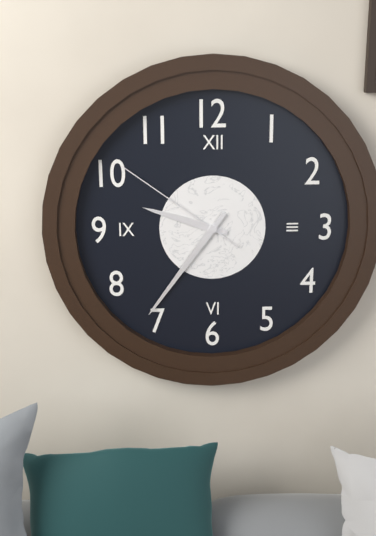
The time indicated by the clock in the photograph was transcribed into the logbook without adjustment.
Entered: 9:36:51
